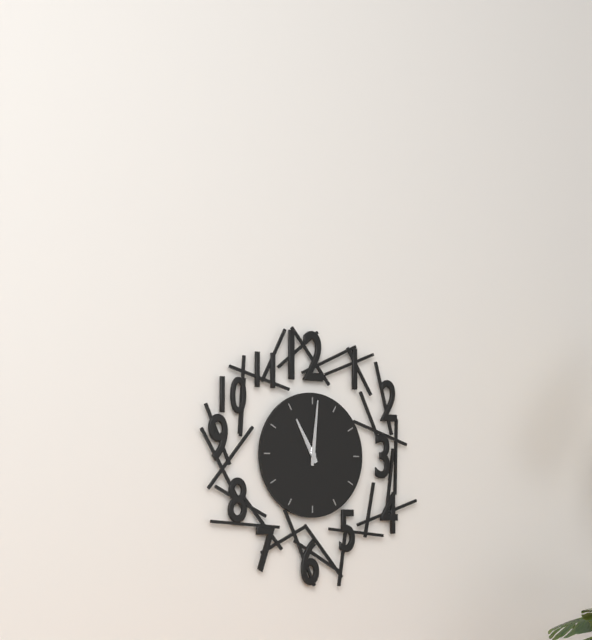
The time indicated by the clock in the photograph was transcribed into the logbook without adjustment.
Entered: 11:01
